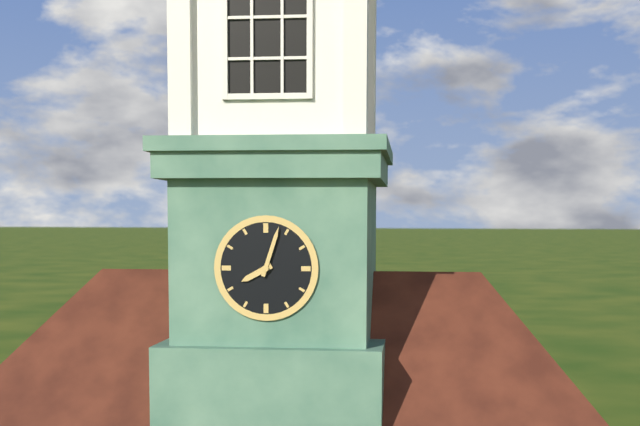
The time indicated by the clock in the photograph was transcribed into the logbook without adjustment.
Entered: 8:03
